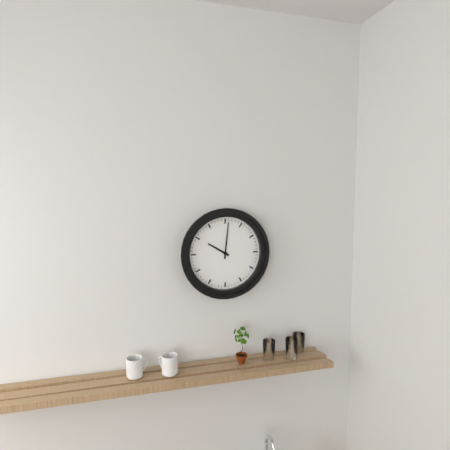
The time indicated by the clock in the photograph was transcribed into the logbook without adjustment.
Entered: 10:01
